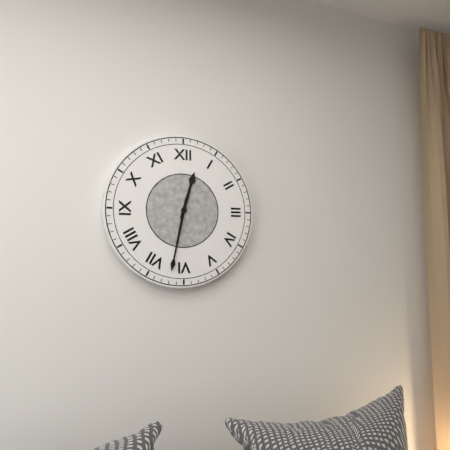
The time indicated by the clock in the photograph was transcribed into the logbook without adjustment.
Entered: 12:32
